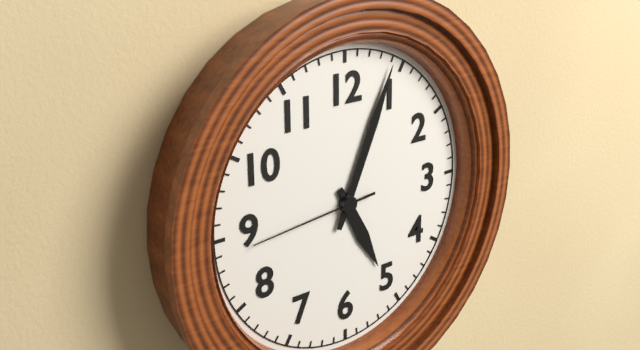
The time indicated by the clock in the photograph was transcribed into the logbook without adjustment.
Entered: 5:04:44
